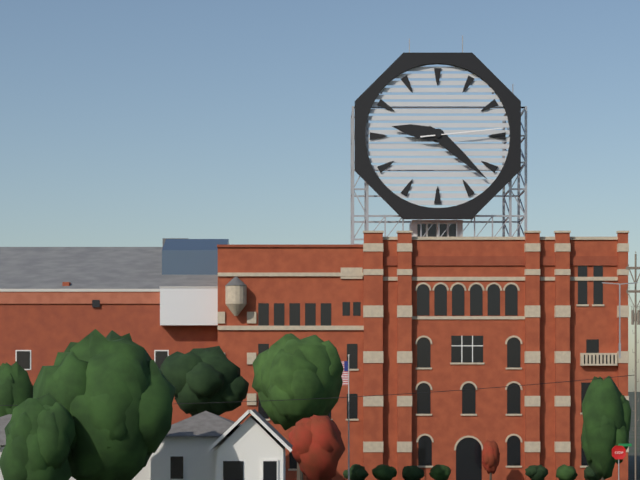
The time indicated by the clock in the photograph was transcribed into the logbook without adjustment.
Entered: 9:22:14
